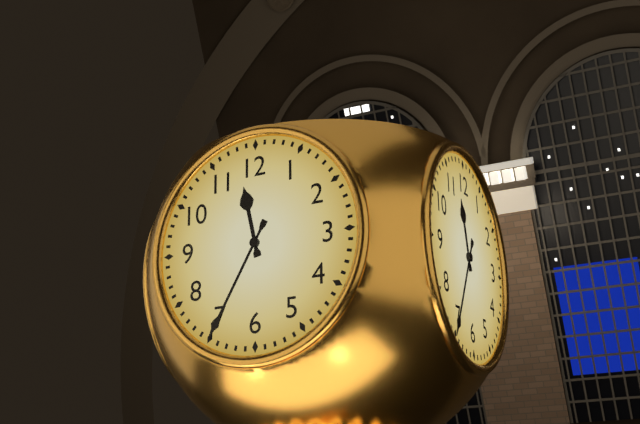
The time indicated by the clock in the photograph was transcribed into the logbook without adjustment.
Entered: 11:35
